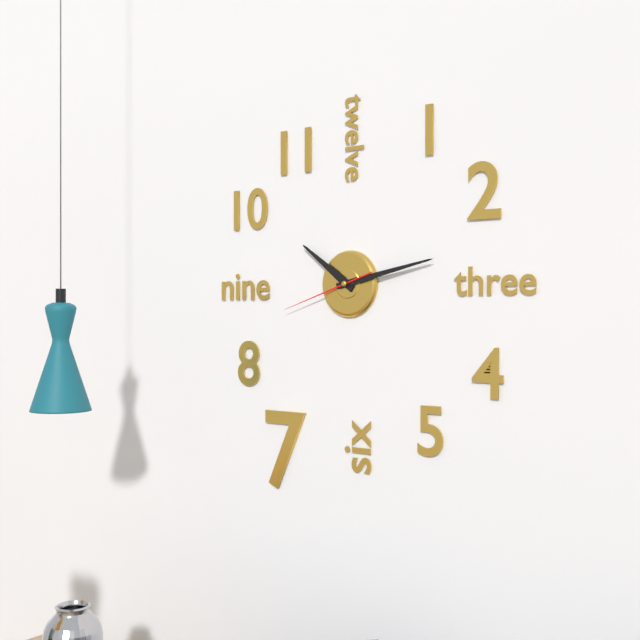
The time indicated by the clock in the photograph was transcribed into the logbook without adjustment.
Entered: 10:13:42
